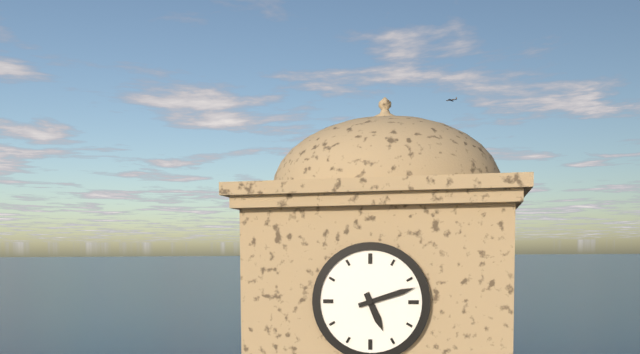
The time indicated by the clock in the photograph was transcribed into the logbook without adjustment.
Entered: 5:12
